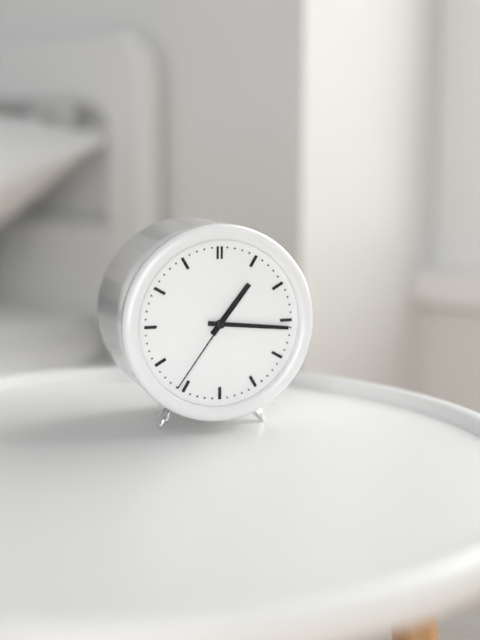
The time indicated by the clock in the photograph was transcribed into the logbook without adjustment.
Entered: 1:16:36
